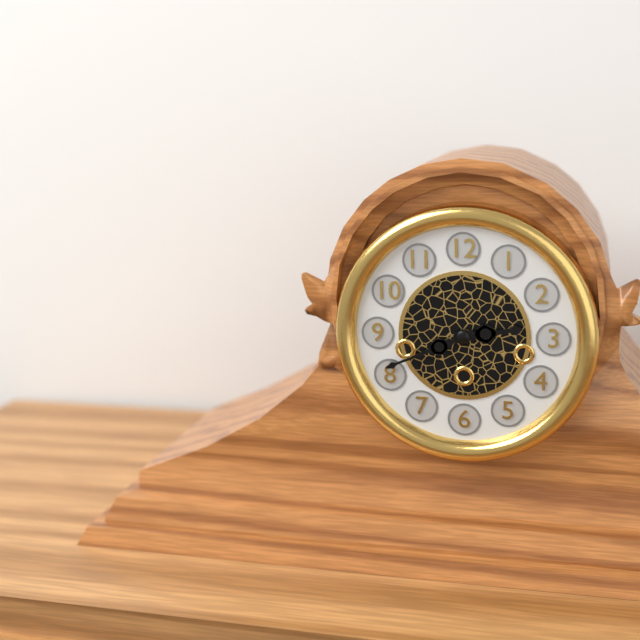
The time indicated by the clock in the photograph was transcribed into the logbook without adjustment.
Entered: 2:41
